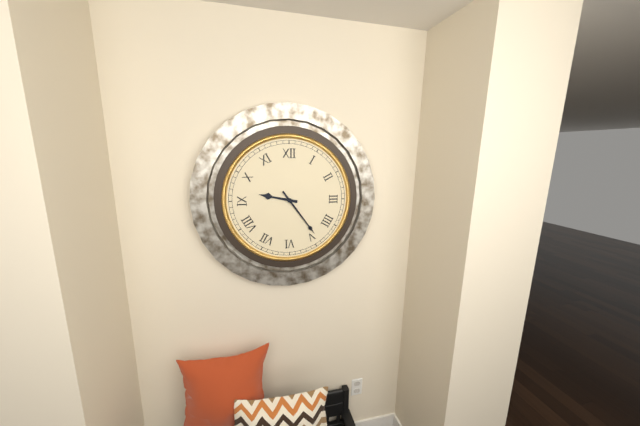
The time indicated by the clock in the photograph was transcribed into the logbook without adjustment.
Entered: 9:24
